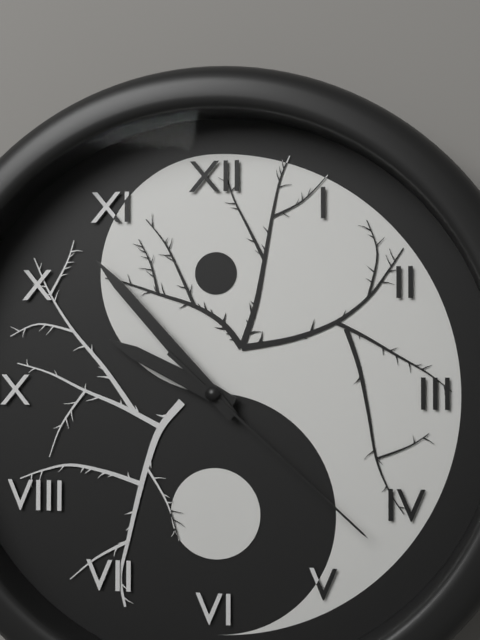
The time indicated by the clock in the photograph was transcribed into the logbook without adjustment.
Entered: 9:53:22
